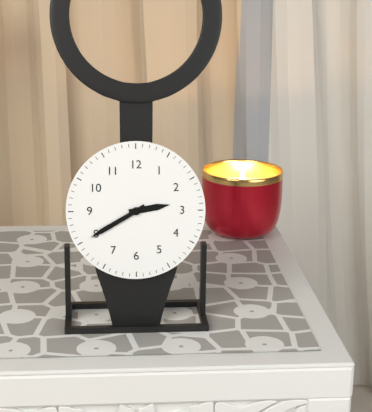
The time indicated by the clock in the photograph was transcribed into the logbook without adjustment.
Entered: 2:40
